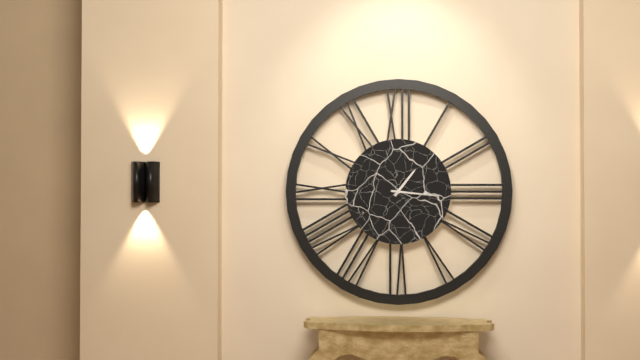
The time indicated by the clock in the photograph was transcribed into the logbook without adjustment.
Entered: 1:16
